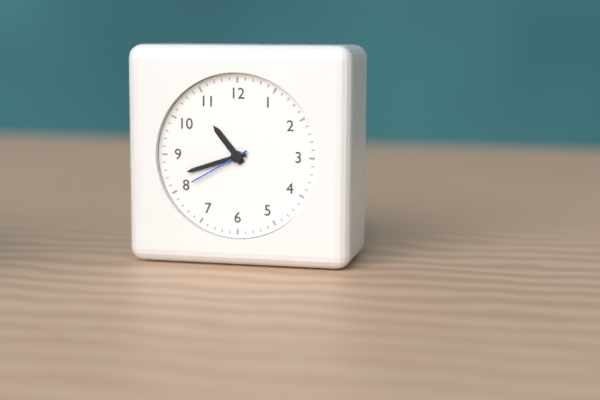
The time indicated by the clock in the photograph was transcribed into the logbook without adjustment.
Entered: 10:42:40
